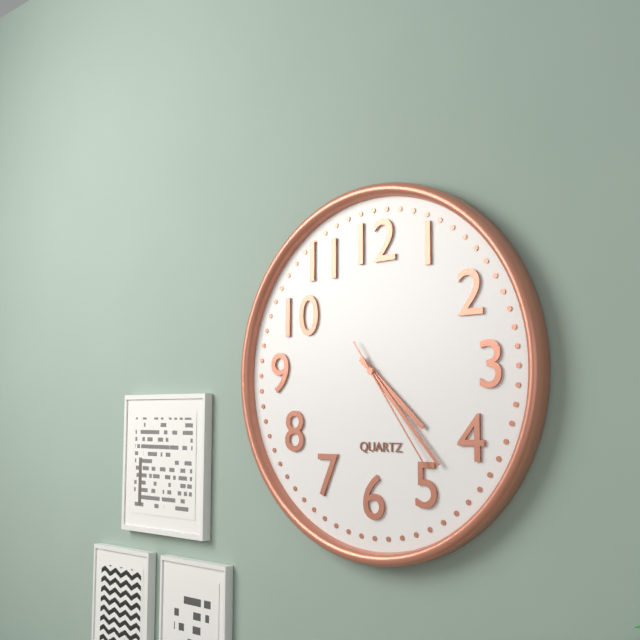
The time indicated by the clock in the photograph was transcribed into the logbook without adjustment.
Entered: 4:23:24
